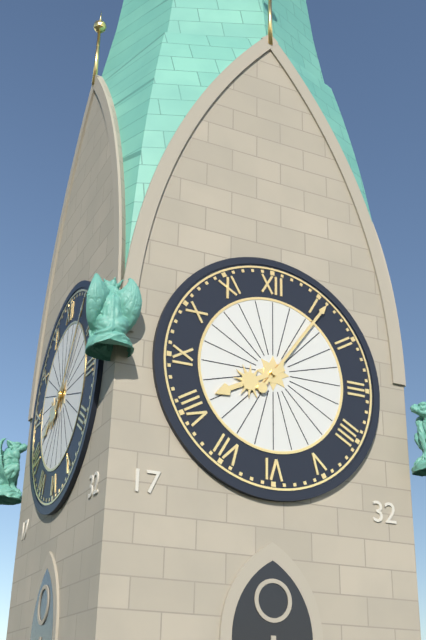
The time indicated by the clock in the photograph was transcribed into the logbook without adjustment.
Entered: 8:06
